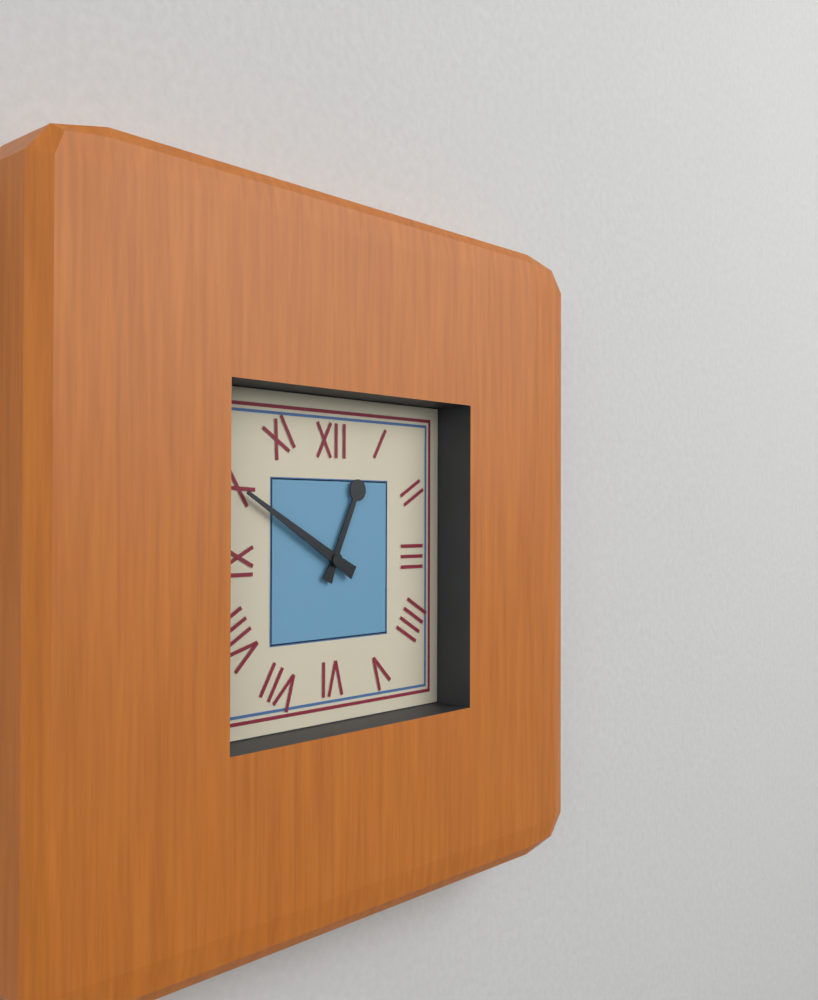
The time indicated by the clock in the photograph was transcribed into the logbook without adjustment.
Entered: 12:50
